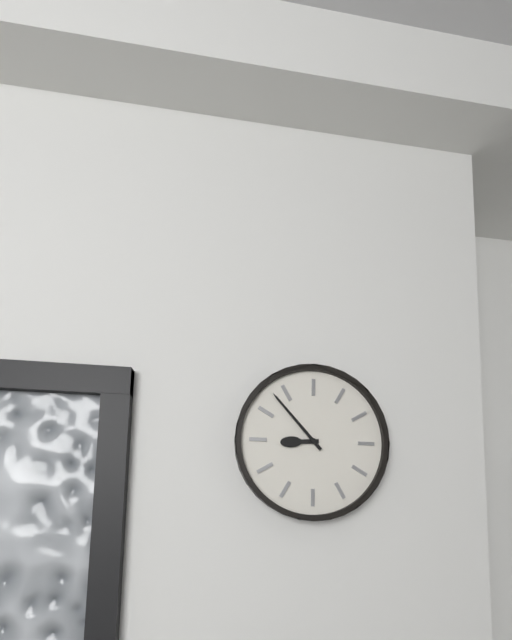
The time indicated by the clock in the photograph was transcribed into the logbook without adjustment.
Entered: 8:53
